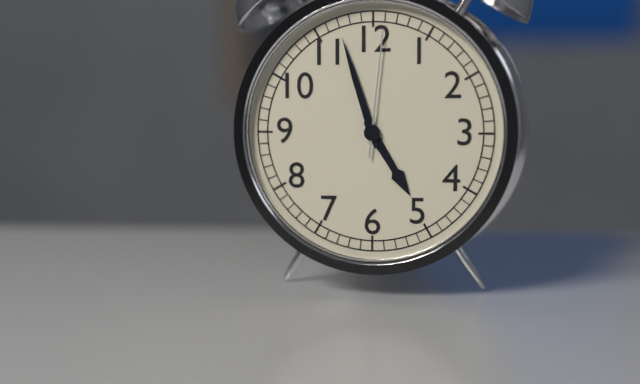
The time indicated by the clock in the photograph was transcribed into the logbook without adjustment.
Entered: 4:57:01
